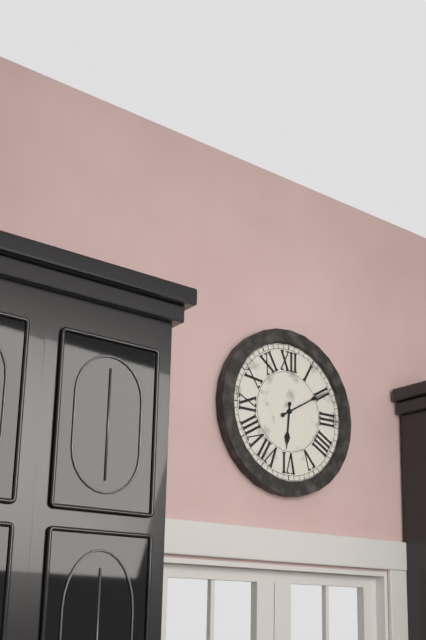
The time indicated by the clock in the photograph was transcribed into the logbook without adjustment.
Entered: 6:10
